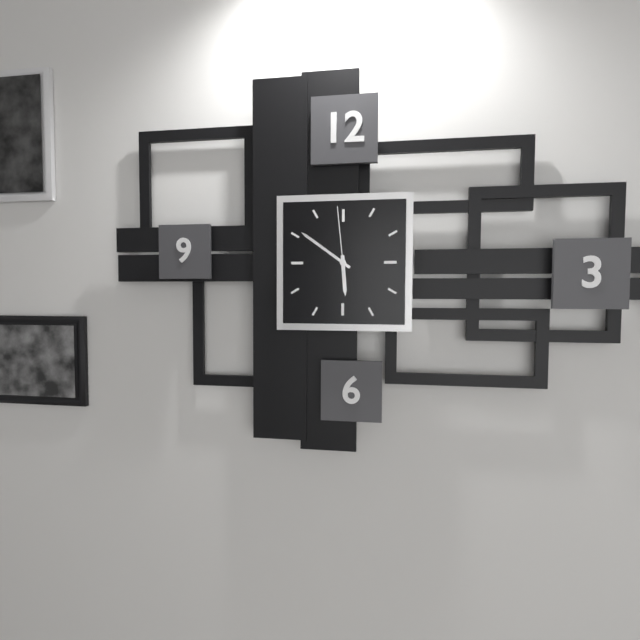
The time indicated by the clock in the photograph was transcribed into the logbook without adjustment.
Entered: 5:51:59
